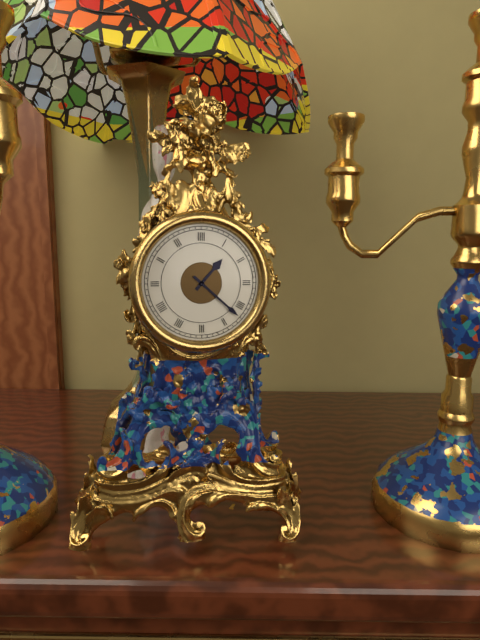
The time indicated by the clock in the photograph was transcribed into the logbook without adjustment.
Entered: 1:22
